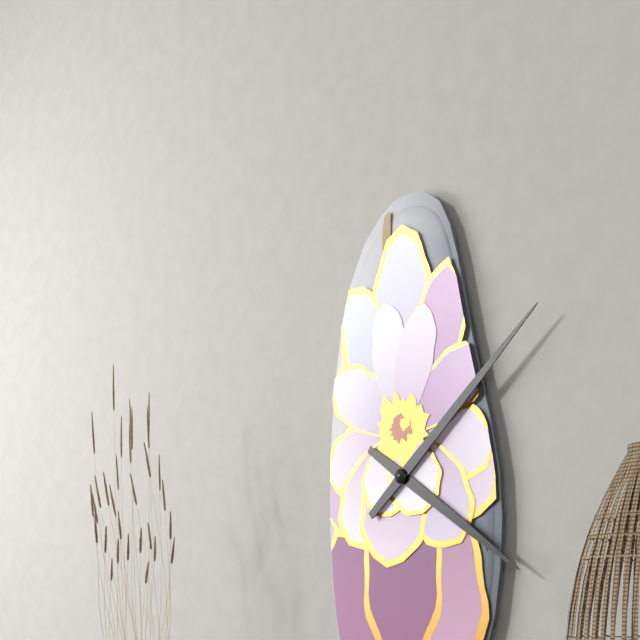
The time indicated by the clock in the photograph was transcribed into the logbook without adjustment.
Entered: 4:08
